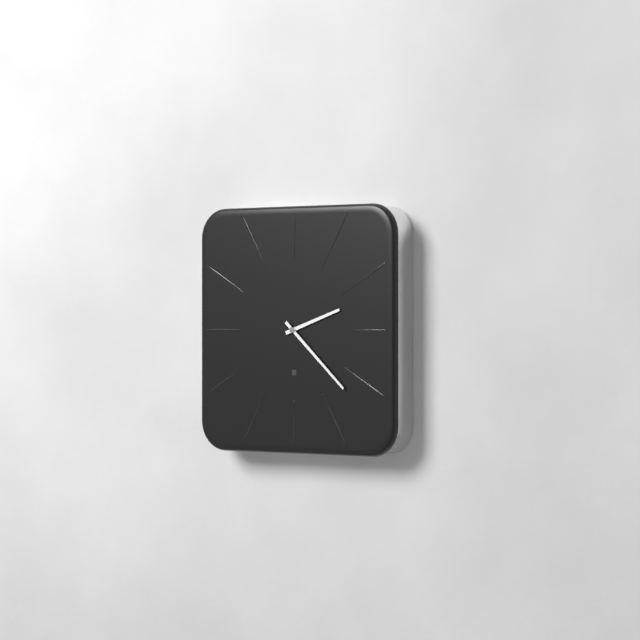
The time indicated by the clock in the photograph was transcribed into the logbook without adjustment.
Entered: 2:22
